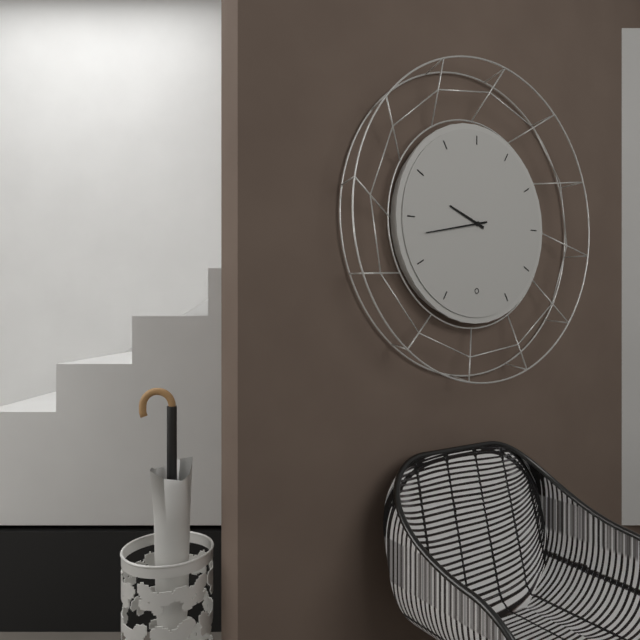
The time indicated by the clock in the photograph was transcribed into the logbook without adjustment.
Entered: 9:43
